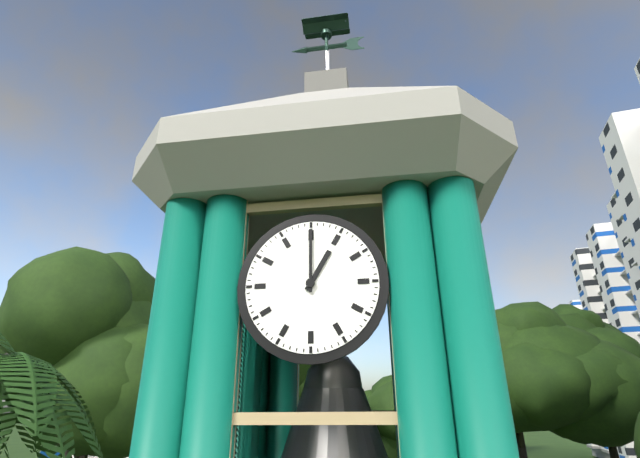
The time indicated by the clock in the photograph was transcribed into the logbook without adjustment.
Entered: 1:00
